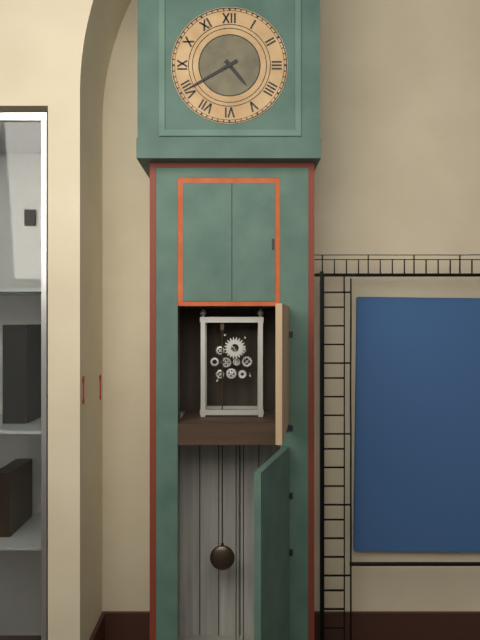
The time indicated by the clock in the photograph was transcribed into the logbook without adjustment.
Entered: 4:40
